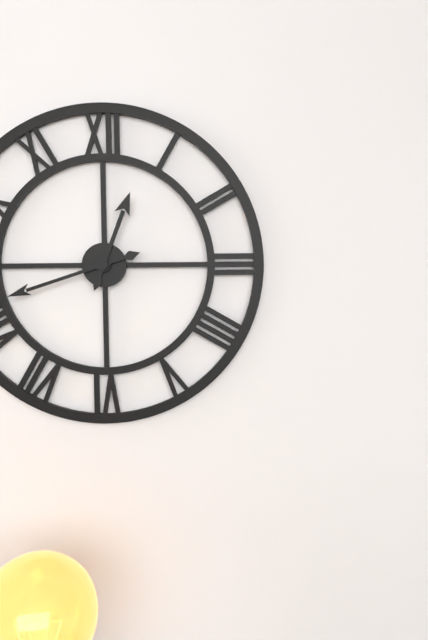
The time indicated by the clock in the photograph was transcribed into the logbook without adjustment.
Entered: 12:42
